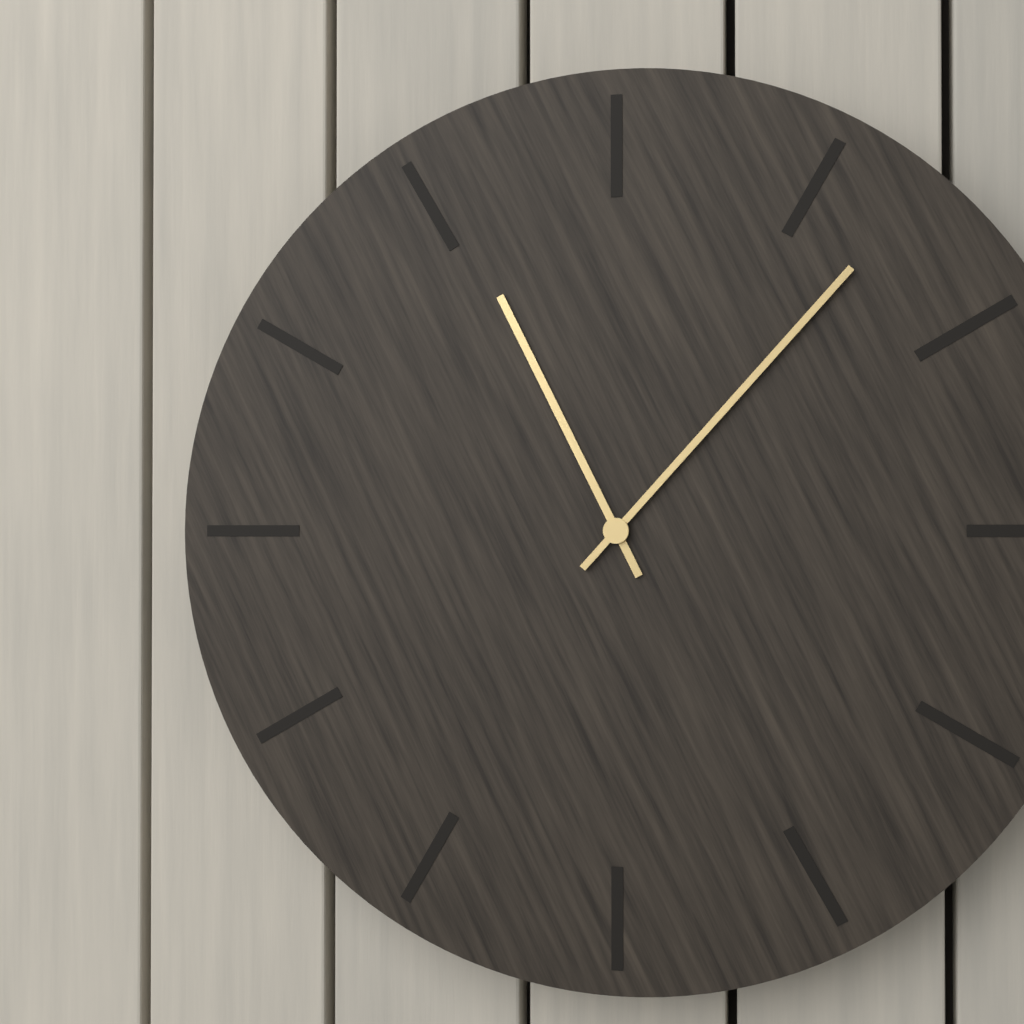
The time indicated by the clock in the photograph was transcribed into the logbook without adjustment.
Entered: 11:07
